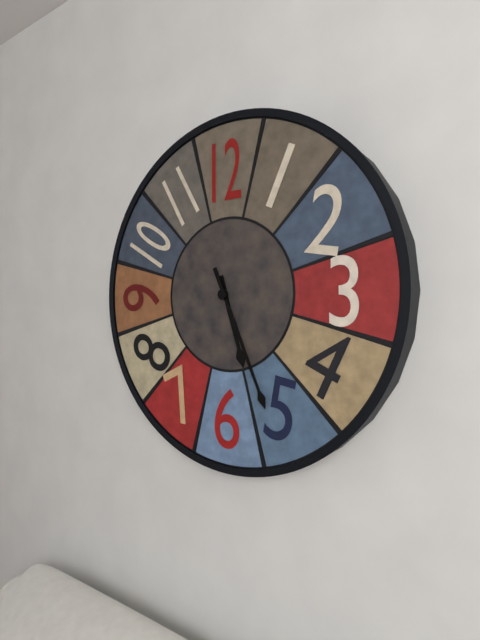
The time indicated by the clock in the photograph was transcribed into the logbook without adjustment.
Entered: 5:26
